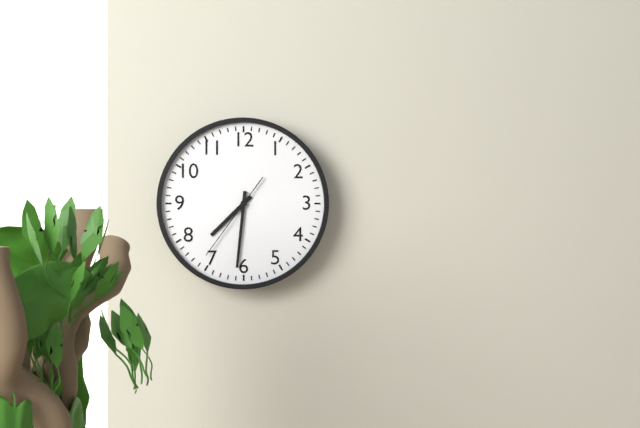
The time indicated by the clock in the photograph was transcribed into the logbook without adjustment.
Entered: 7:31:36
